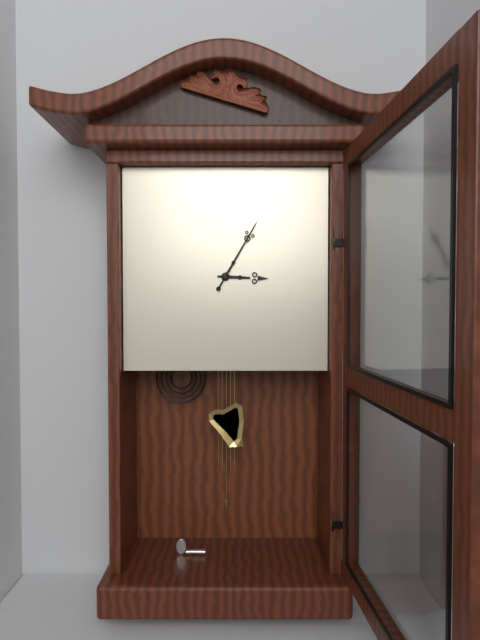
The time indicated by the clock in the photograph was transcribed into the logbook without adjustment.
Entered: 3:05
